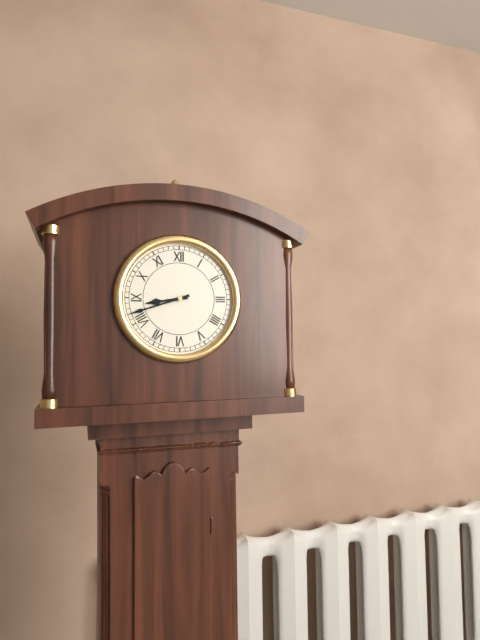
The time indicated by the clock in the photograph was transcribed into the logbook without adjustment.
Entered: 8:42
